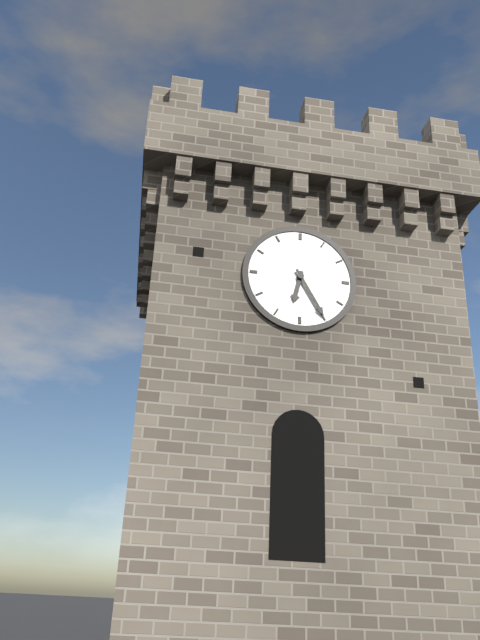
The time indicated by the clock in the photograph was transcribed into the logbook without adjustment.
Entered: 6:25
